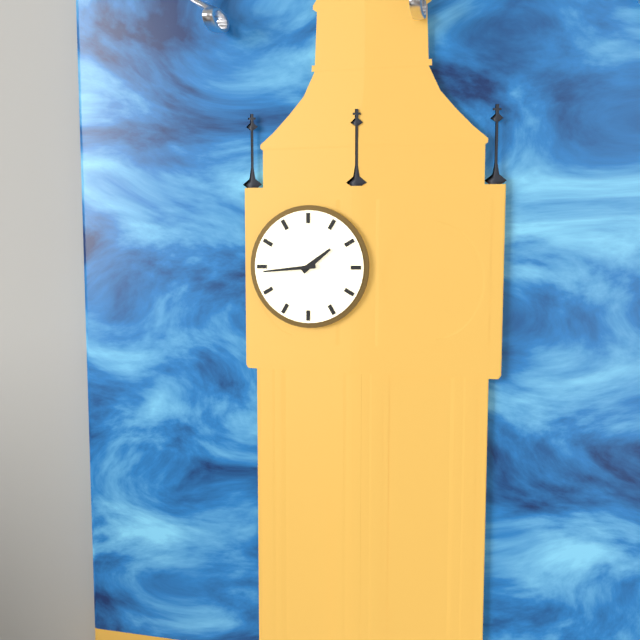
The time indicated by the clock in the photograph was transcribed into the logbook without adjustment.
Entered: 1:44
